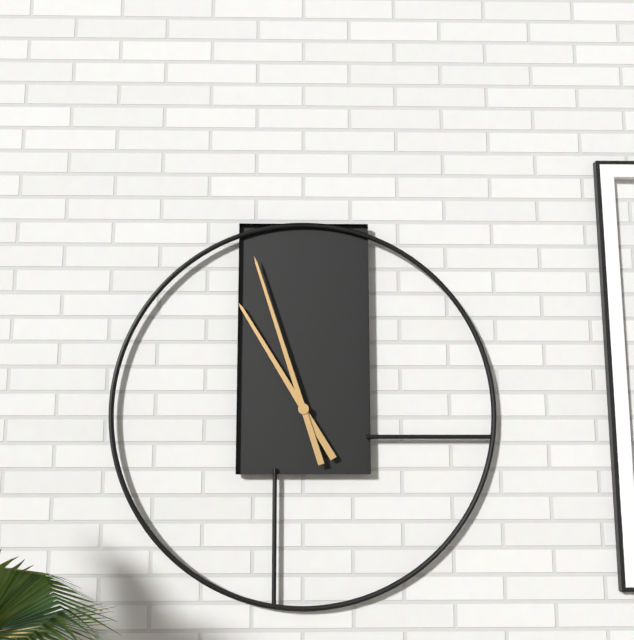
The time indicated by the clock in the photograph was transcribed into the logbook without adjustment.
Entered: 10:57
